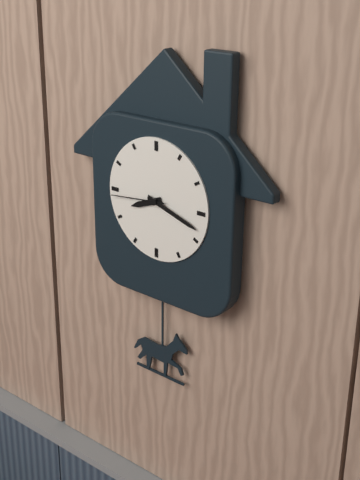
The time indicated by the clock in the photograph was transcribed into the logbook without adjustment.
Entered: 8:18:44
